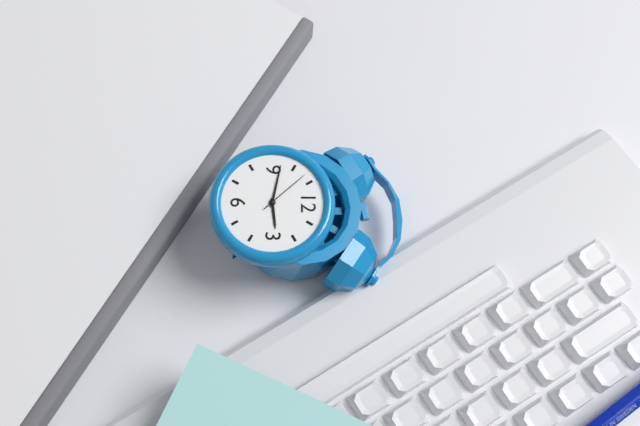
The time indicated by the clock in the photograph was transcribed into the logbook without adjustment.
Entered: 2:47:53
